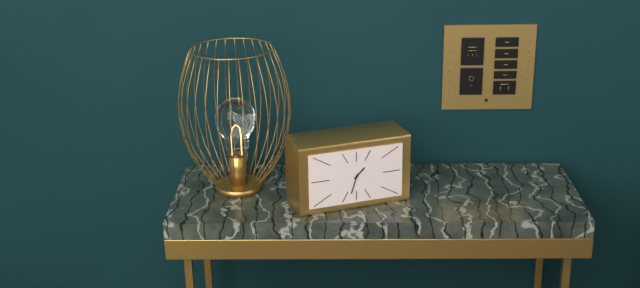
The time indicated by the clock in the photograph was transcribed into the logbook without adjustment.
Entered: 1:33
